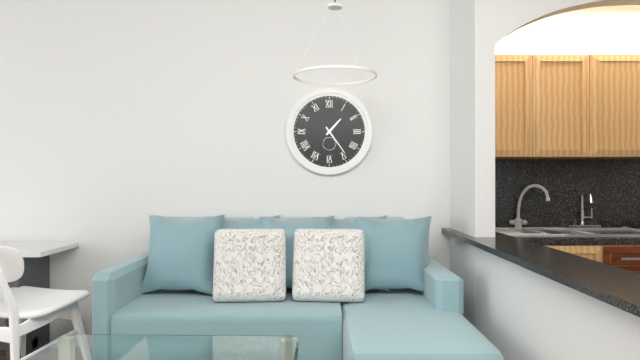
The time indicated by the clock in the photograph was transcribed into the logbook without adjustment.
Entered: 1:24
